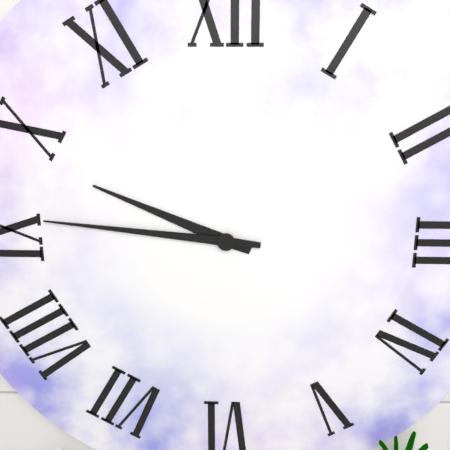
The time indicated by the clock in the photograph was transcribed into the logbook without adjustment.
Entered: 9:46
